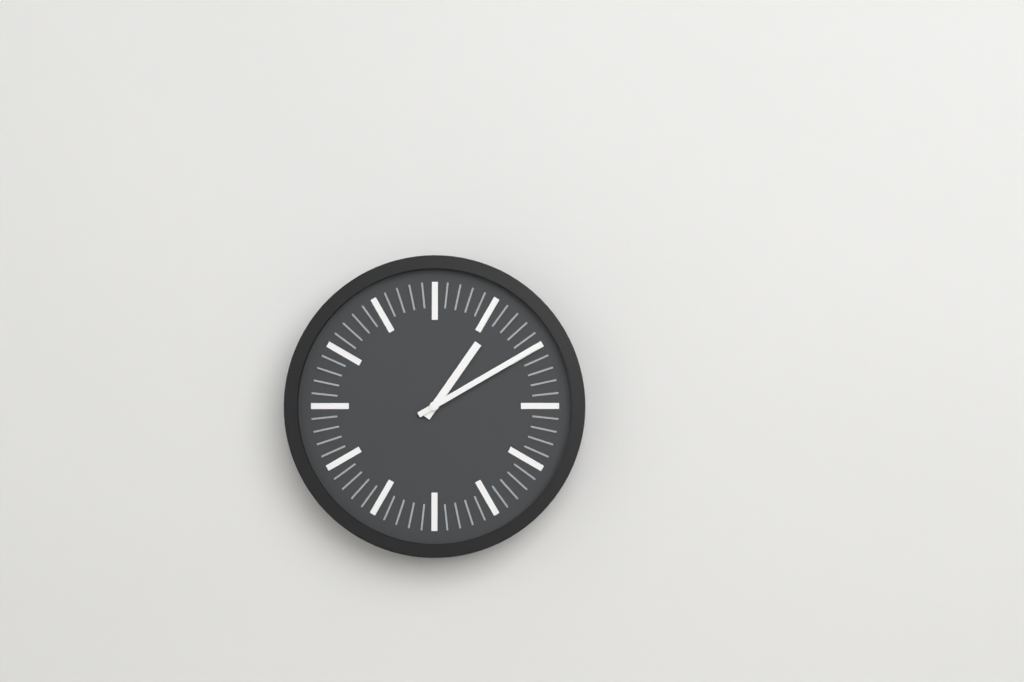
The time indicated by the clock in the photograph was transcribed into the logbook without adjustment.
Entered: 1:10
